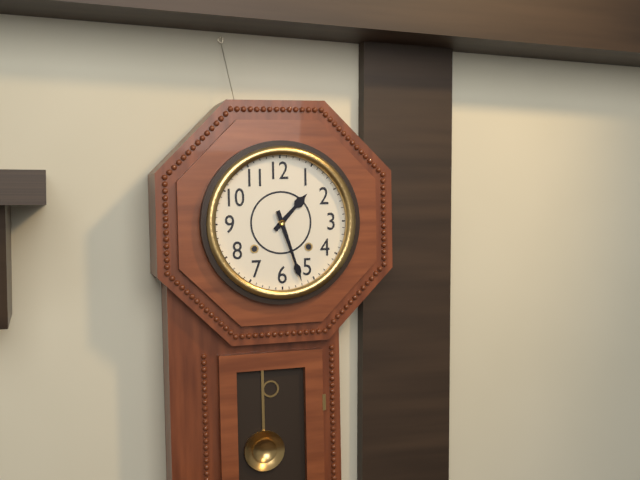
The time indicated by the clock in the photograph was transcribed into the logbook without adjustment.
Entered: 1:27
